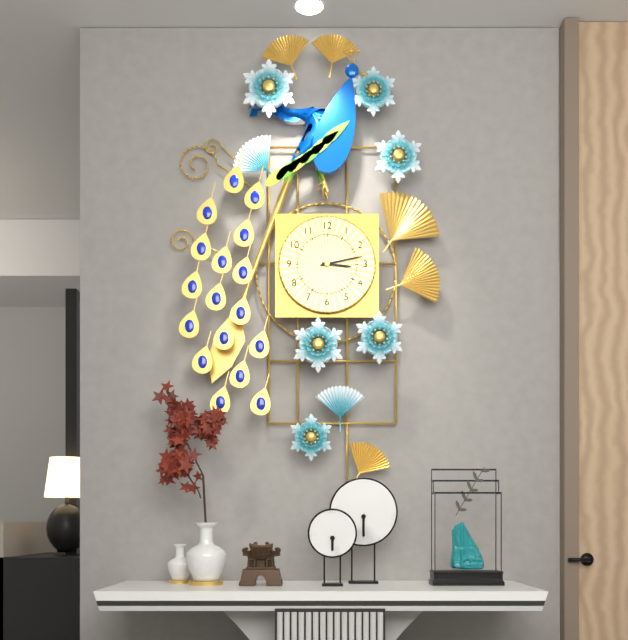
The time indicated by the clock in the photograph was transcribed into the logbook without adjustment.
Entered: 3:13
